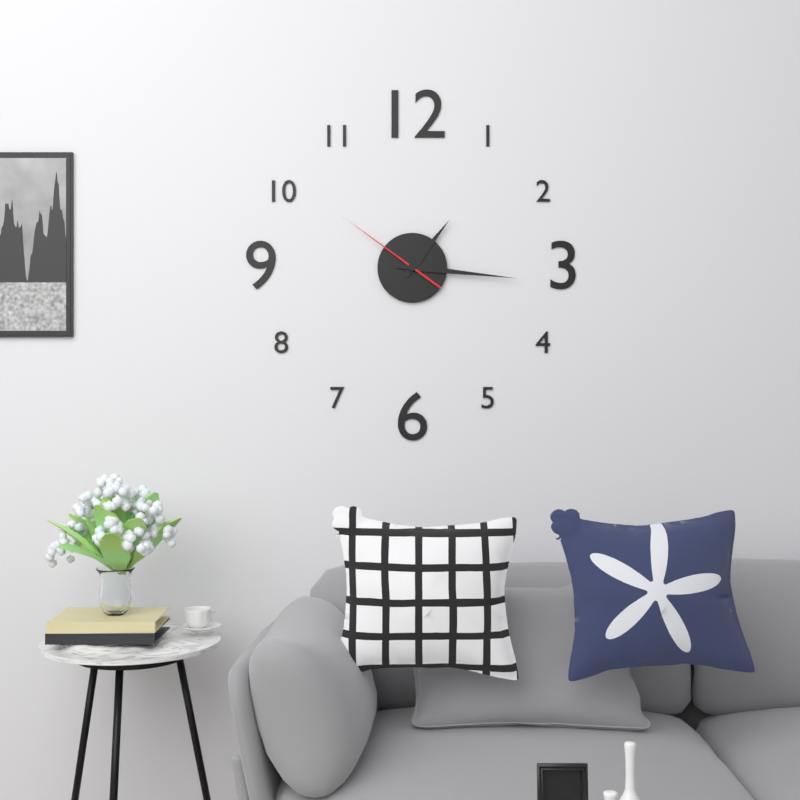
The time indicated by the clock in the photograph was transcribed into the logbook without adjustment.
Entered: 1:16:51
